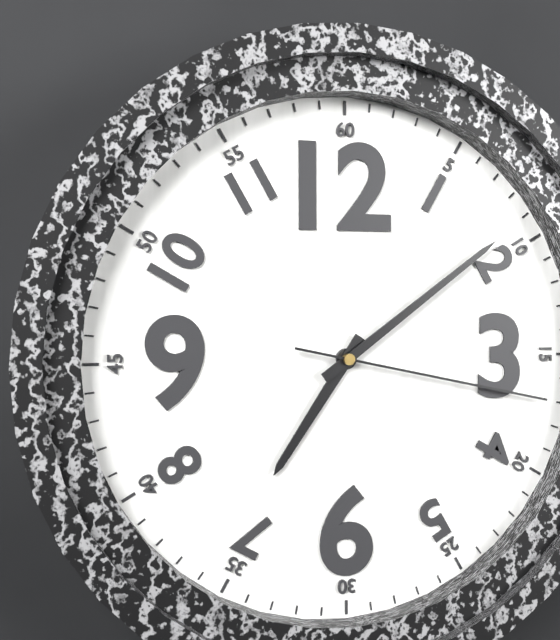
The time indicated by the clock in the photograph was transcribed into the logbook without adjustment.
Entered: 7:09:17
